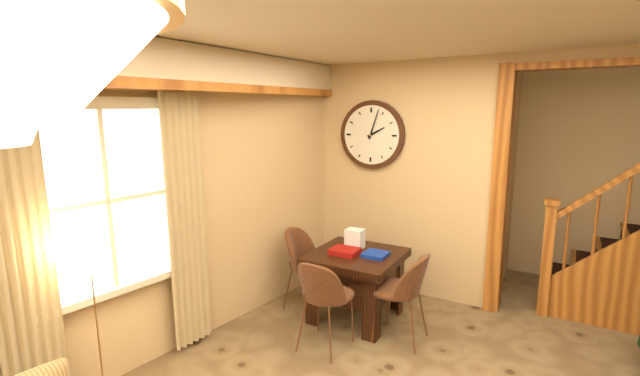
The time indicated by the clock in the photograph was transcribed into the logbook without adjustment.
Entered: 2:03
